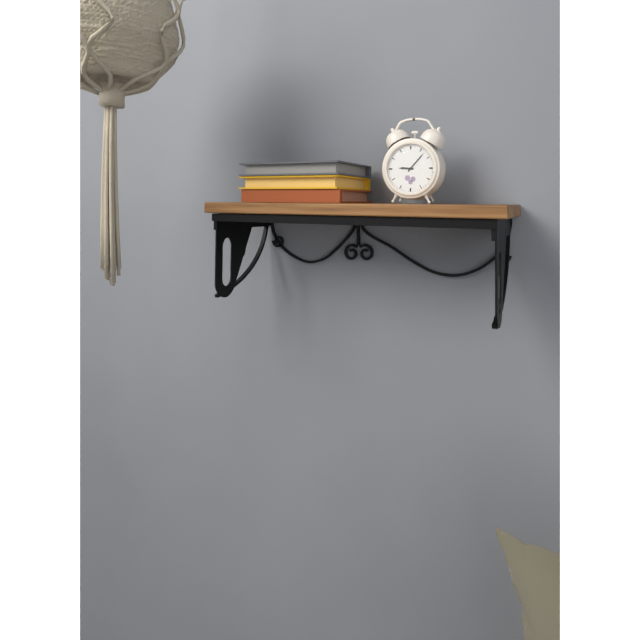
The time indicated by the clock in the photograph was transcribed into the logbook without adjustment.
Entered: 9:07
